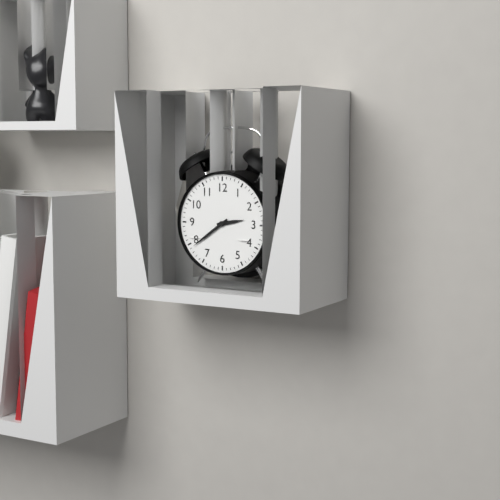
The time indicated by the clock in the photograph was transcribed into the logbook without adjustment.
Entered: 2:39
